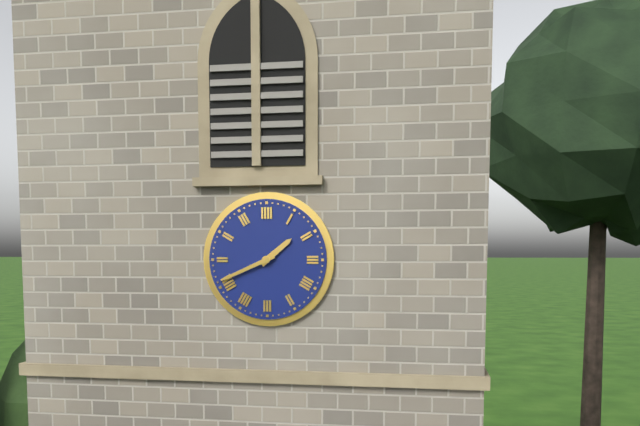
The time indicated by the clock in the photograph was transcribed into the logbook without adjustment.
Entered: 1:41
